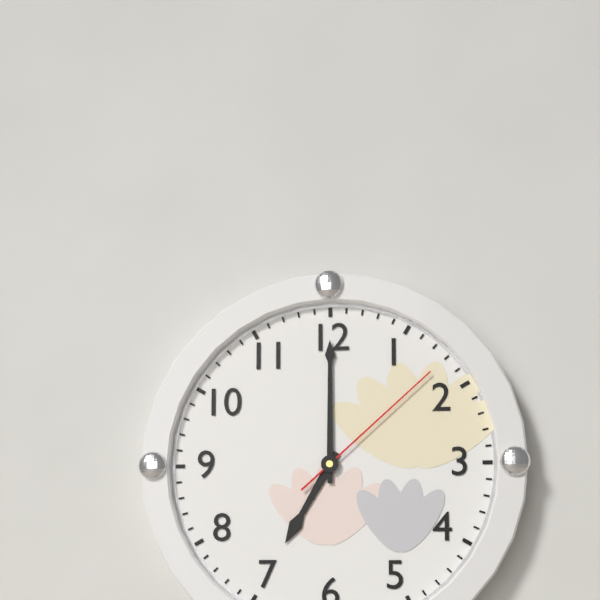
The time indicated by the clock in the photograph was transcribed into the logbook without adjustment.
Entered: 7:00:08
